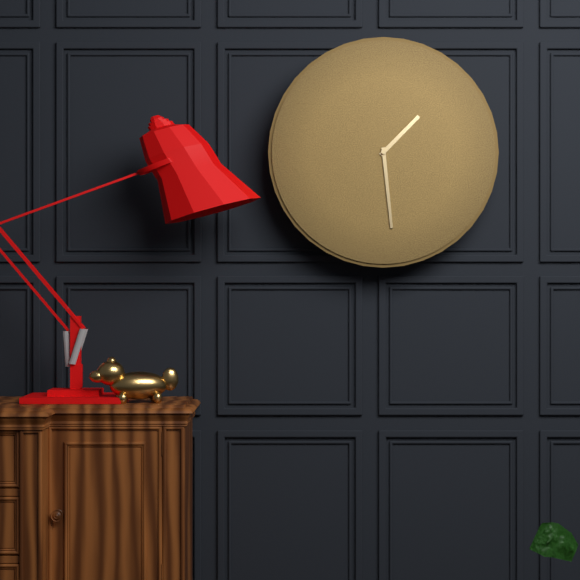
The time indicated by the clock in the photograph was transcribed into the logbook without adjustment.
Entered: 1:29
